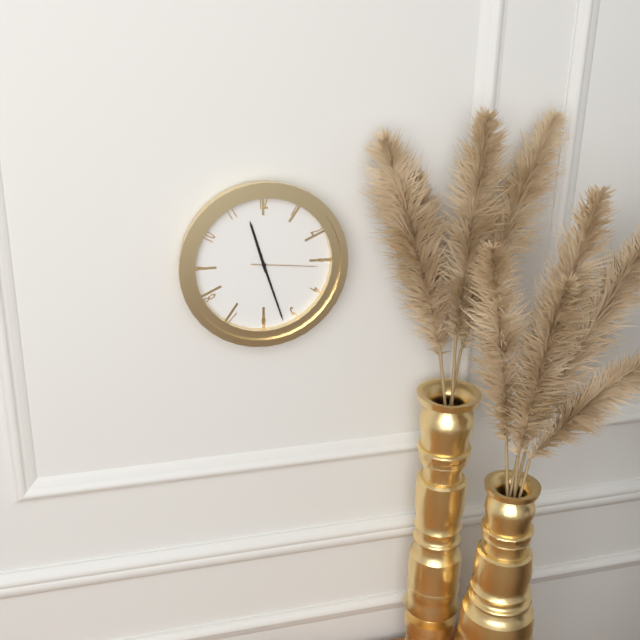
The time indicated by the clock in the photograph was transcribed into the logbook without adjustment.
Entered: 11:27:16
